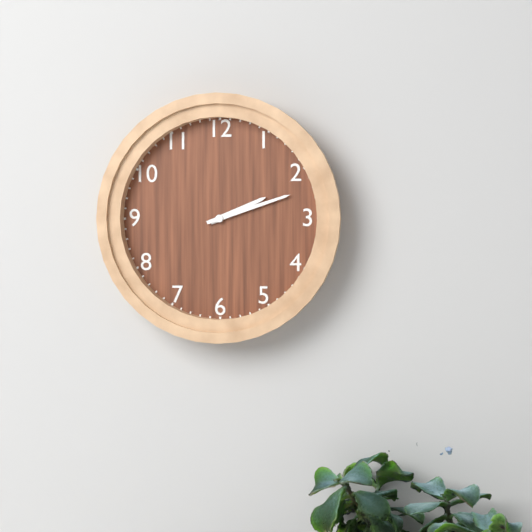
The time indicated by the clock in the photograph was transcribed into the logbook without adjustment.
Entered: 2:12
